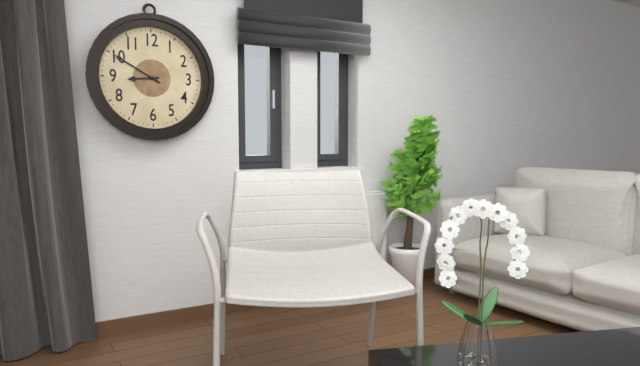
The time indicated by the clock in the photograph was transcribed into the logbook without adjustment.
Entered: 8:50
